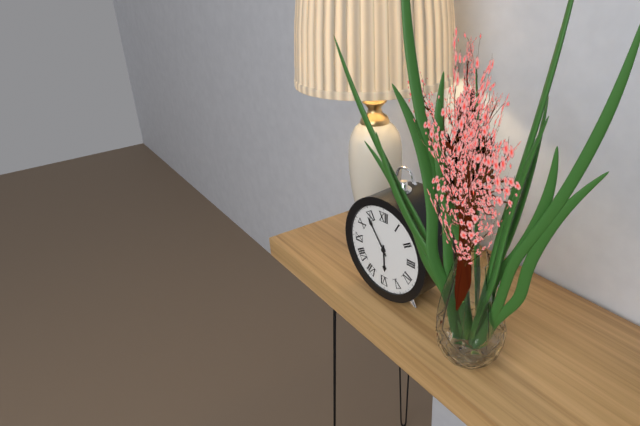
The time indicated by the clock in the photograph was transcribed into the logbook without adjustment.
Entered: 5:54
